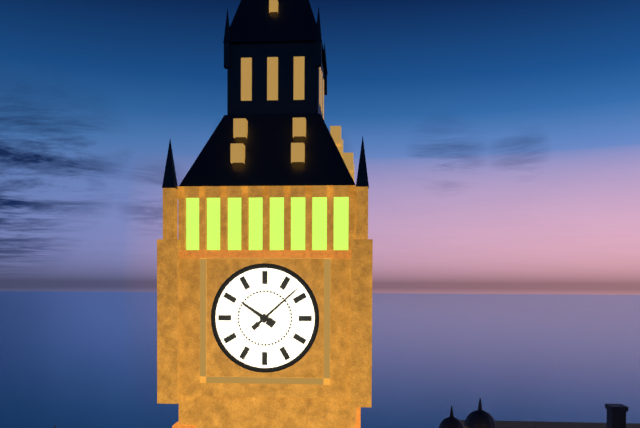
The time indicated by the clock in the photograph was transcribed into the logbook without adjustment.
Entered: 10:08
